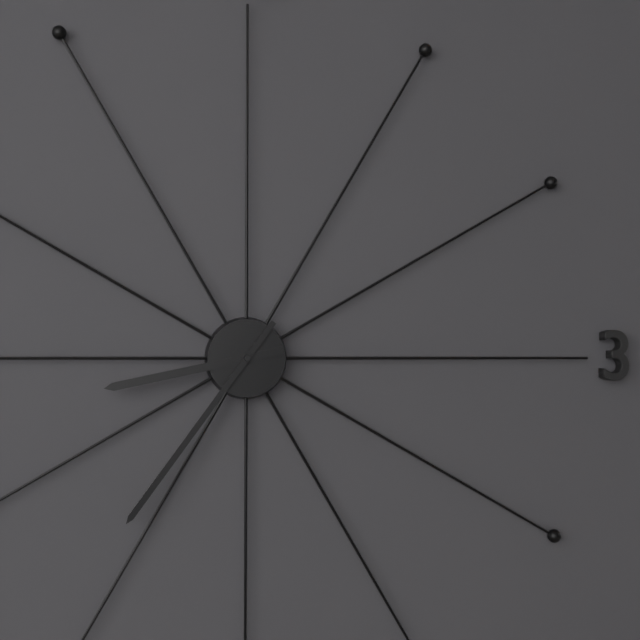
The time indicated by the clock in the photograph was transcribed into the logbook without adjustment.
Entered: 8:36
